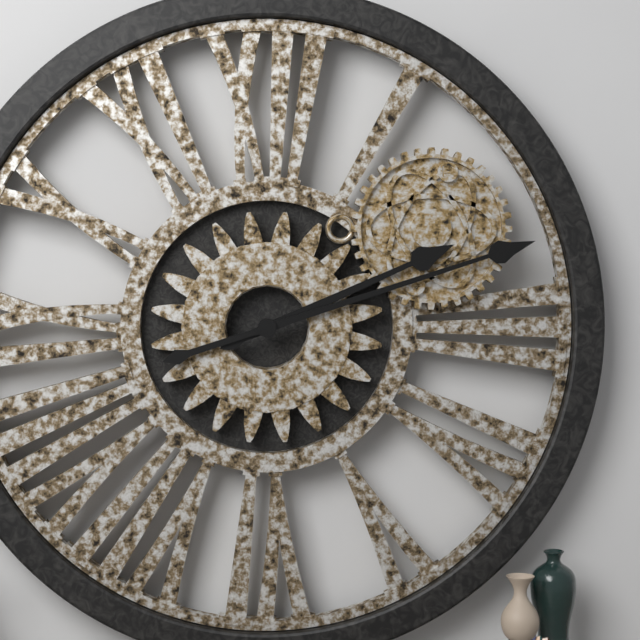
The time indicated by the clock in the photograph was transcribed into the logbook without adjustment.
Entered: 2:12
